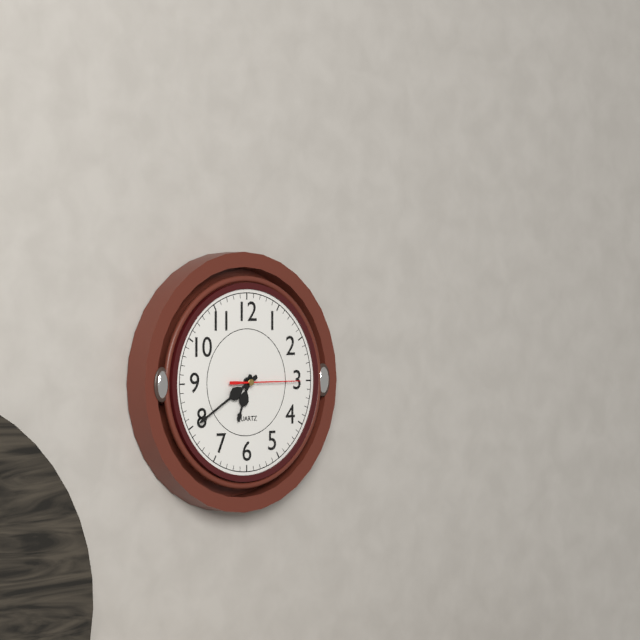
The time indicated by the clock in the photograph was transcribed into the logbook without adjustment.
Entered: 6:40:15
